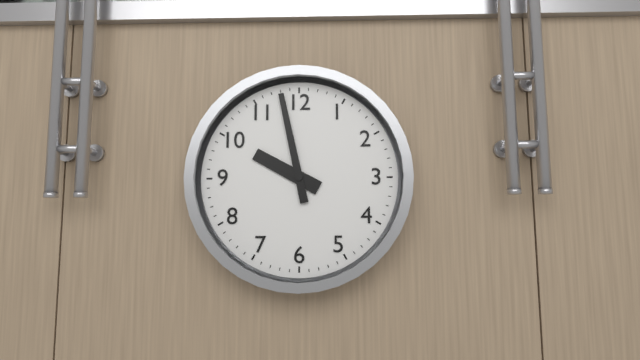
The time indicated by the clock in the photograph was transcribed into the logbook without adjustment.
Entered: 9:58
